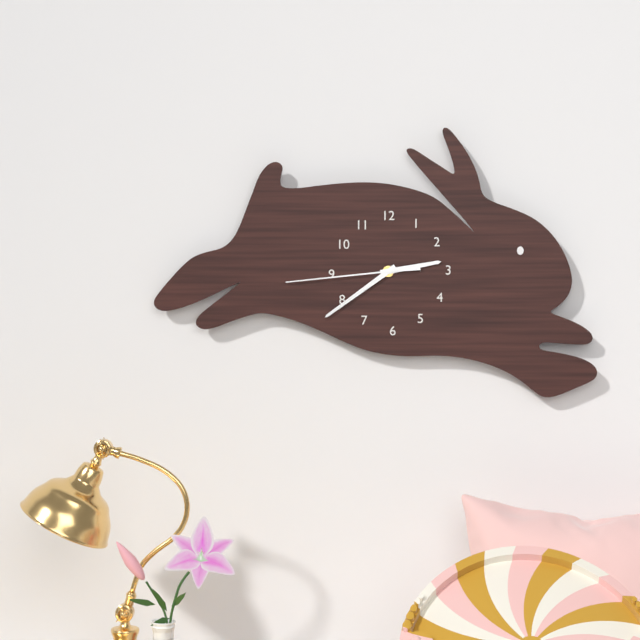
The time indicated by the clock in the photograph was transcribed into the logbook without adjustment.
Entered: 2:39:44
